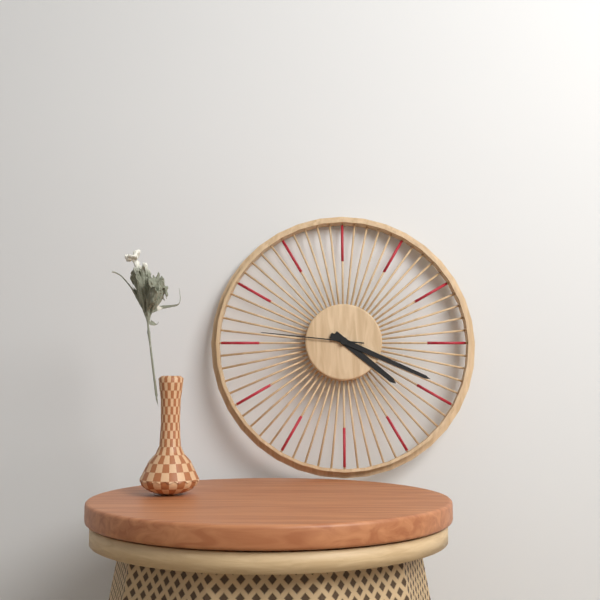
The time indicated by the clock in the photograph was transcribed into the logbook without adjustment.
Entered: 4:19:46
